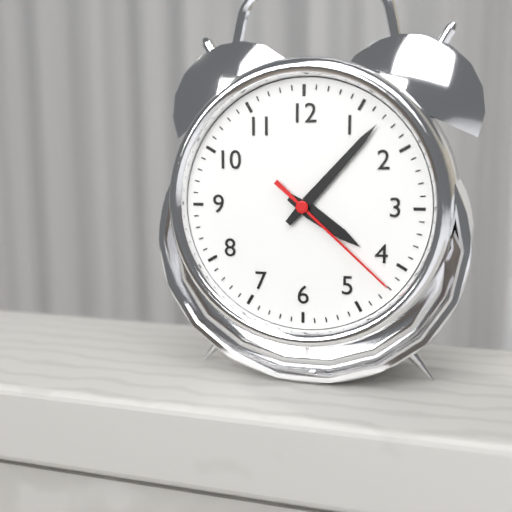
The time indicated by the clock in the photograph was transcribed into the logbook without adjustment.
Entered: 4:07:22
